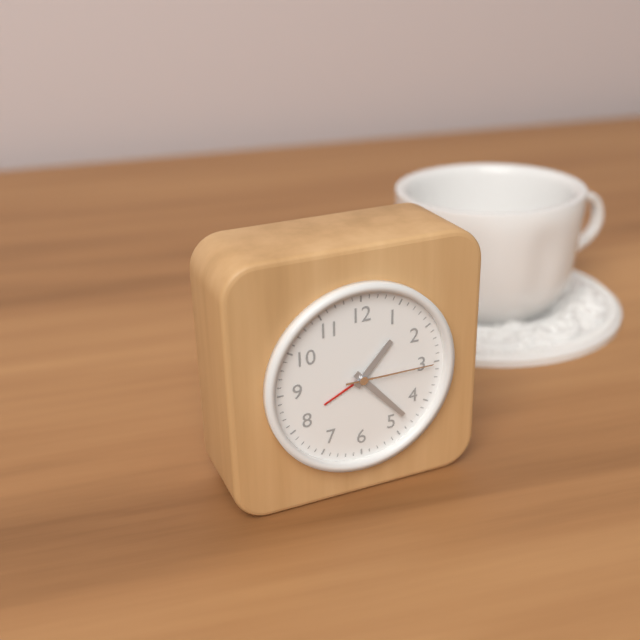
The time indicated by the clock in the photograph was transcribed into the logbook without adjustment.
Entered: 1:23:15
